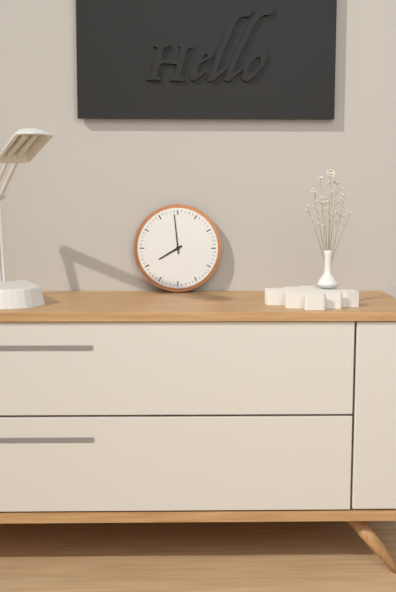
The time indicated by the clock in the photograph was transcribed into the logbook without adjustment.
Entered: 7:59
